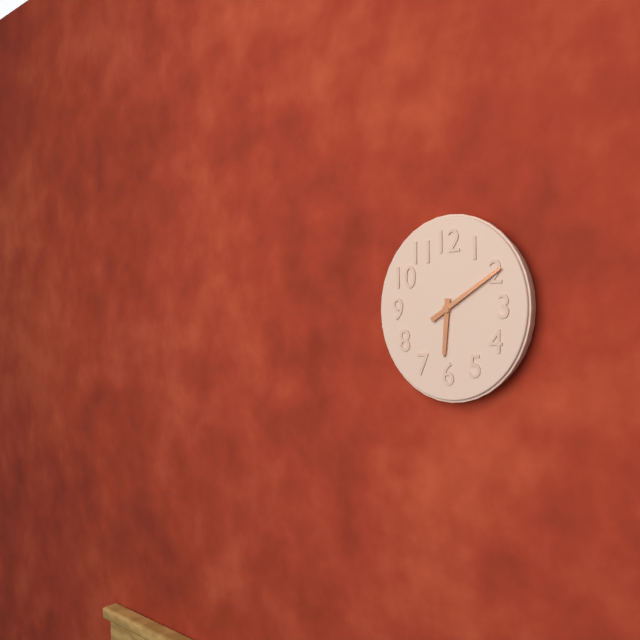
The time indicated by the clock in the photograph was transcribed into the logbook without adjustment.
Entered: 6:10
